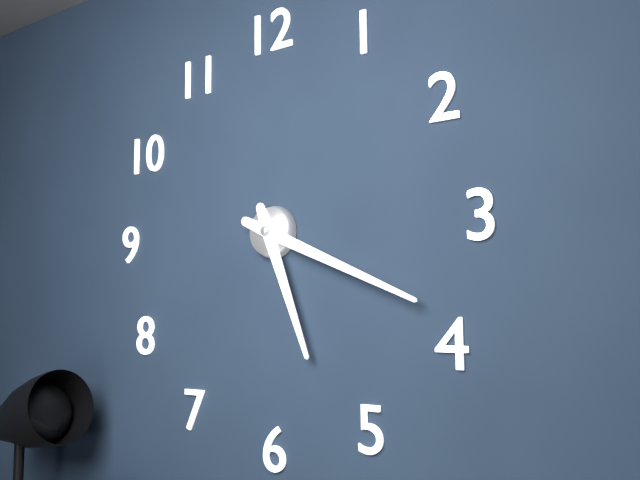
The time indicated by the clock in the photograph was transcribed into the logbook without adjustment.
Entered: 5:19
